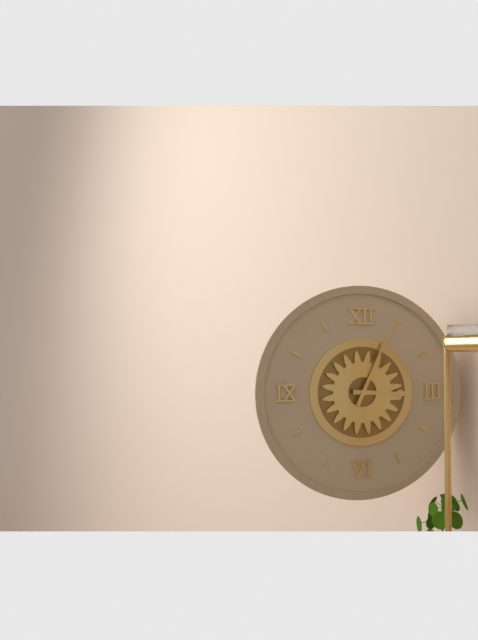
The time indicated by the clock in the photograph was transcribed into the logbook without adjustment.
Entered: 3:04
